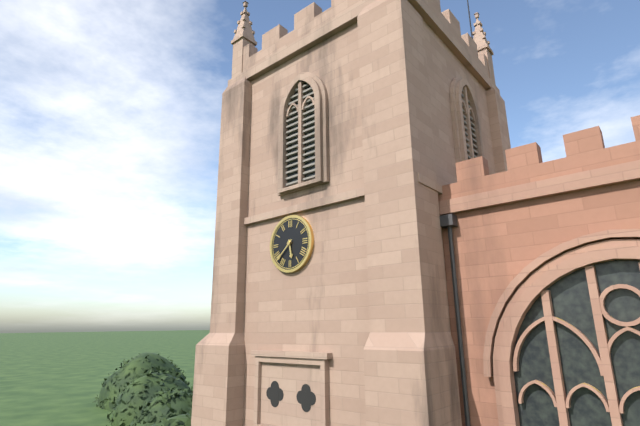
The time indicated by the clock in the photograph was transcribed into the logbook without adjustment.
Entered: 5:38
